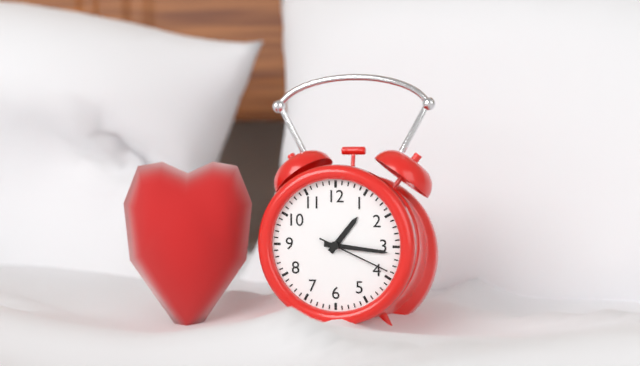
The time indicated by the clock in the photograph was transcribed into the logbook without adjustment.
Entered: 1:16:19
